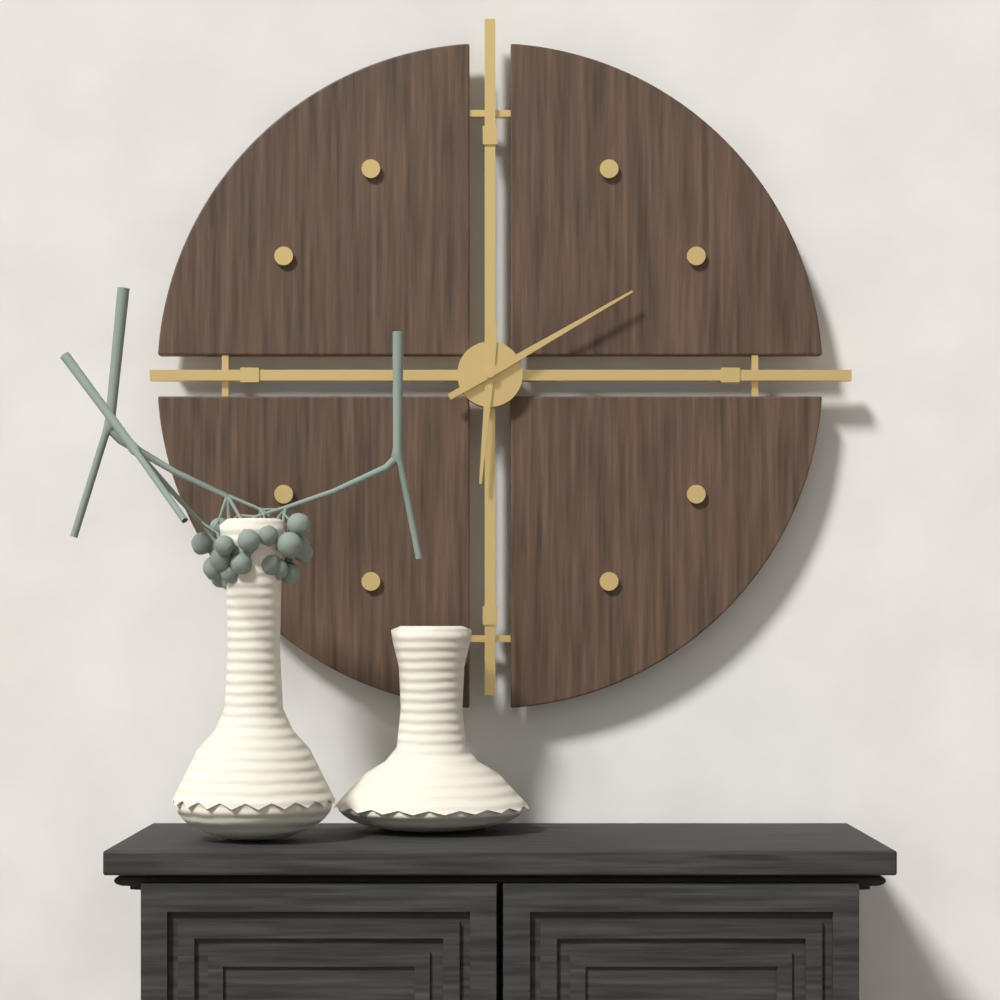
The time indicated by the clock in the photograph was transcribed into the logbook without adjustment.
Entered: 6:10
